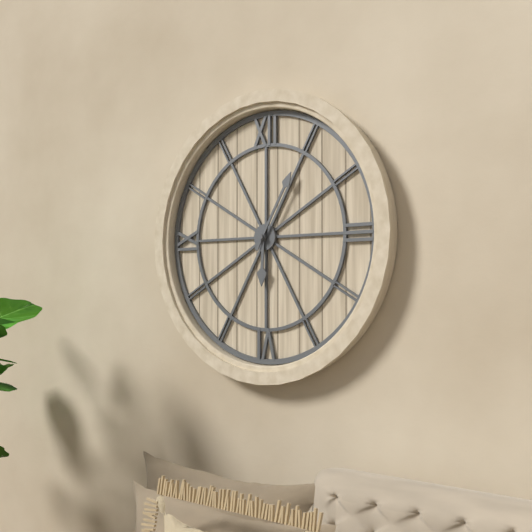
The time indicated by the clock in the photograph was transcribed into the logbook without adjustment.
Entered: 6:05
